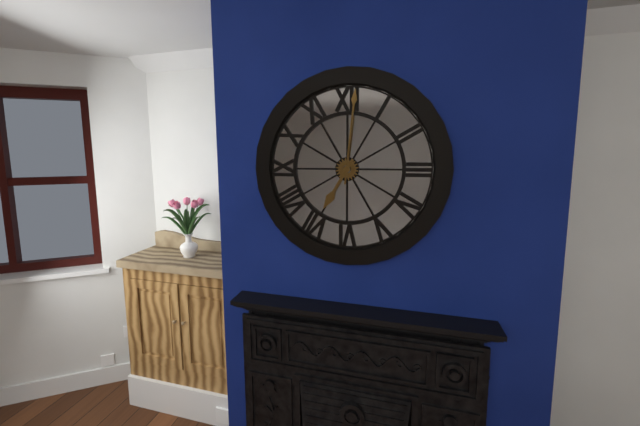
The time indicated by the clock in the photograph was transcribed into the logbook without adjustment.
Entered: 7:01
